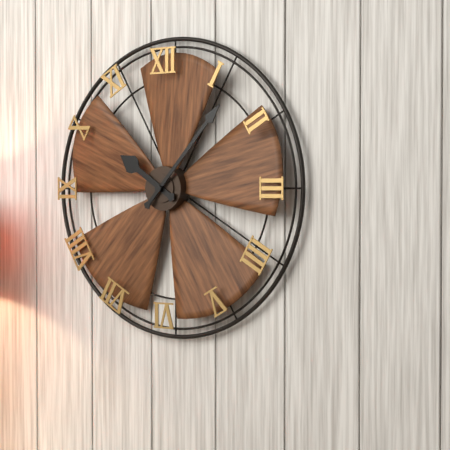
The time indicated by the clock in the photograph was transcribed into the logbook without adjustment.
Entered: 10:07
